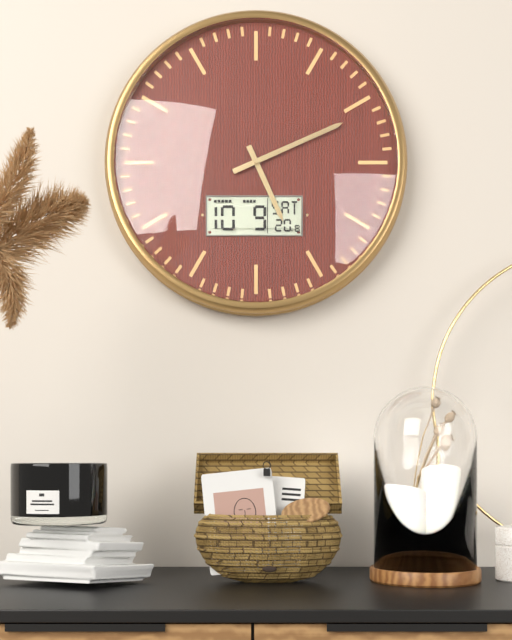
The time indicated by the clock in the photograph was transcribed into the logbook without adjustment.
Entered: 5:11
